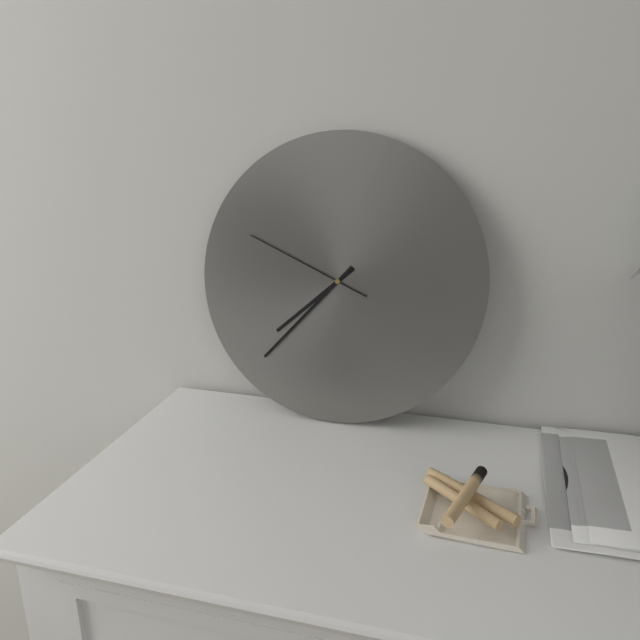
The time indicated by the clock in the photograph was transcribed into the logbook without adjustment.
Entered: 7:37:49
